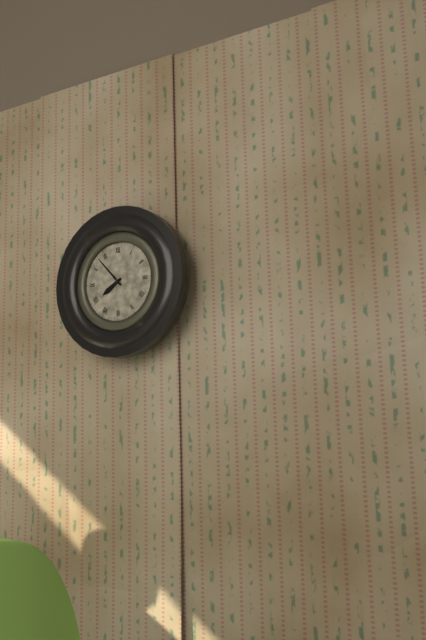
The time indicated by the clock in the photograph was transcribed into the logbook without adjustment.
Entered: 7:53
